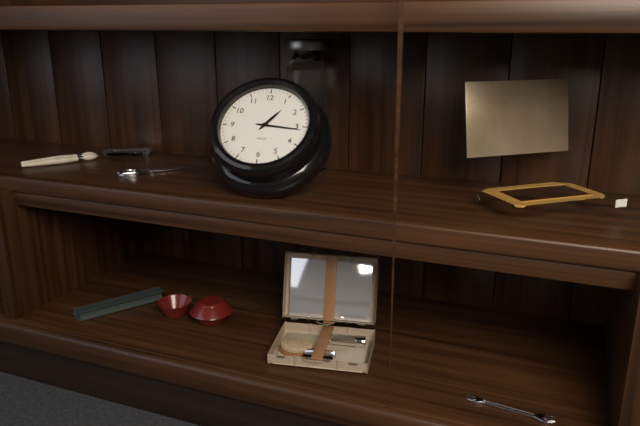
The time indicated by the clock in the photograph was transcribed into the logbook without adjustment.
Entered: 1:16
